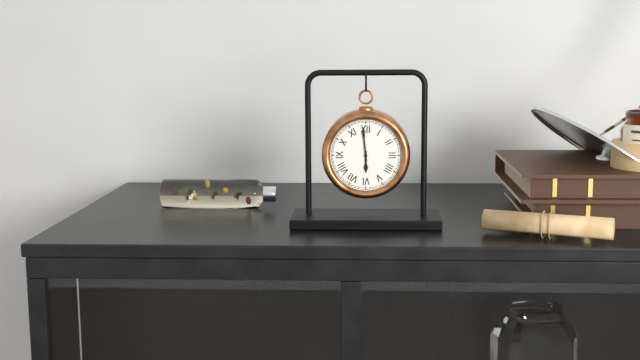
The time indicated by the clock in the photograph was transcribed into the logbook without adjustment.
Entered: 5:59
